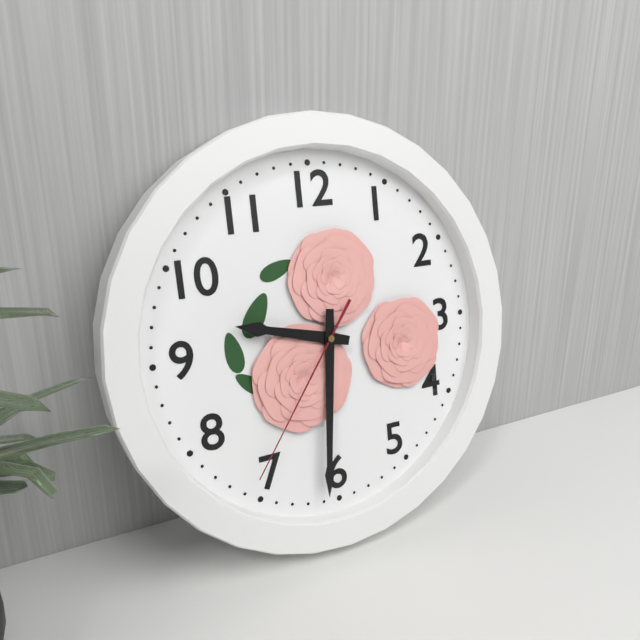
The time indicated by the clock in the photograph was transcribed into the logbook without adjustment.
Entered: 9:31:36
